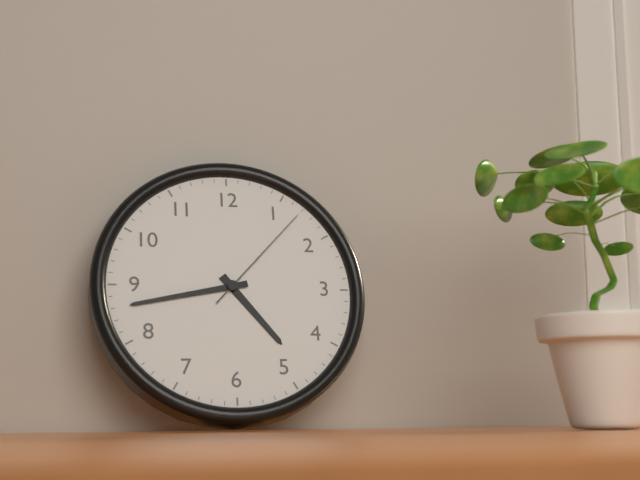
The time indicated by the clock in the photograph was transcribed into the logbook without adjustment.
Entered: 4:43:07
